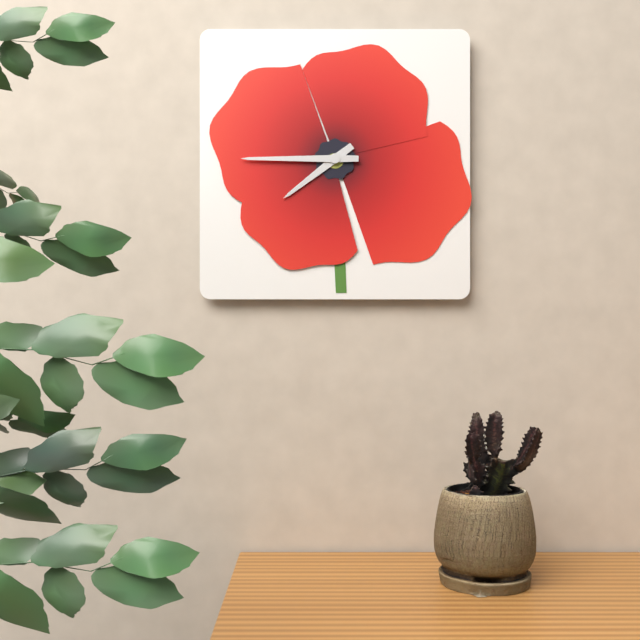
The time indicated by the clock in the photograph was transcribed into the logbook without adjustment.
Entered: 7:45
